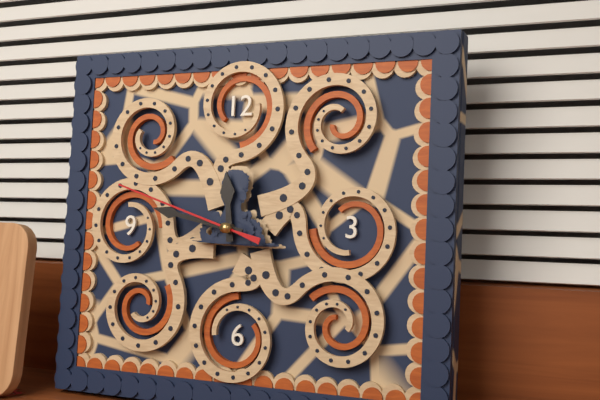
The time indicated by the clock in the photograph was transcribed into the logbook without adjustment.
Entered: 11:47:48
